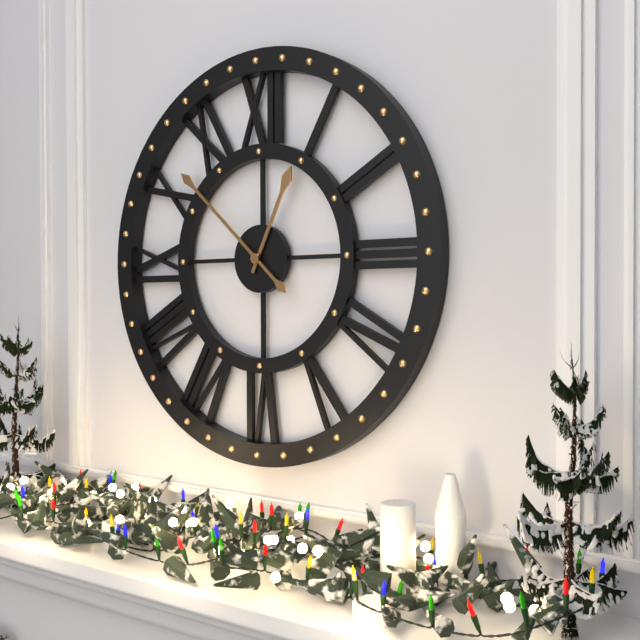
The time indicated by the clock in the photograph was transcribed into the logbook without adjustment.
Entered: 12:52
